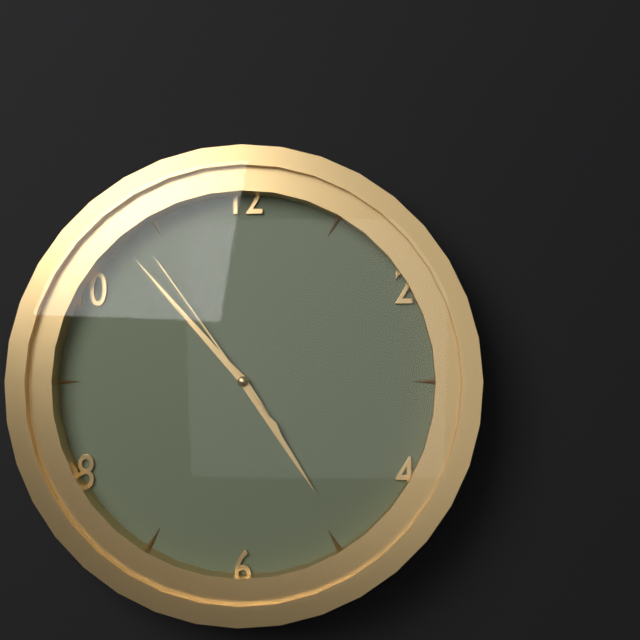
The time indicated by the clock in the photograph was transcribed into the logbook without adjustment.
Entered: 4:53:54
